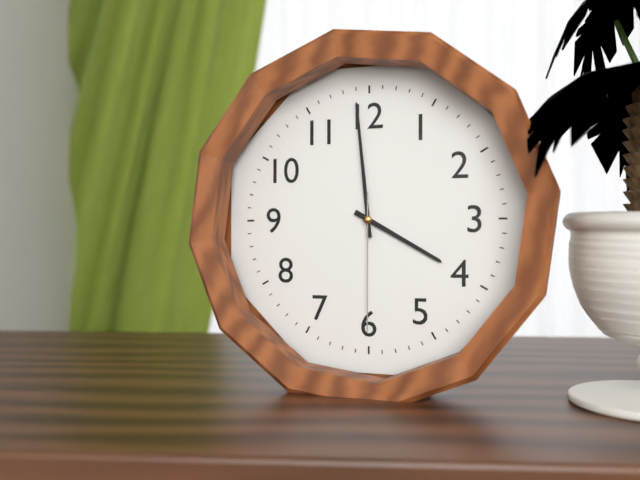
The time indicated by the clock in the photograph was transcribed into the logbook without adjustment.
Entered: 3:59:30
